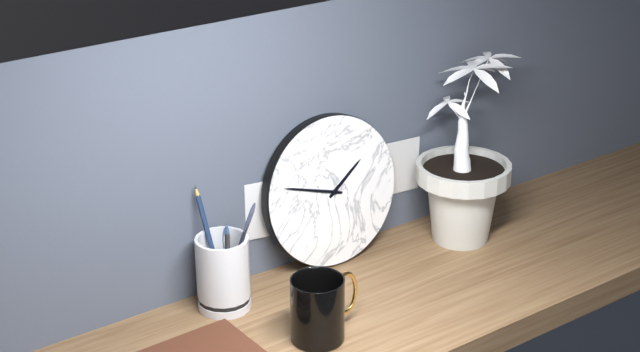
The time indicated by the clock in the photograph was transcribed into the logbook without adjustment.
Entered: 1:48
